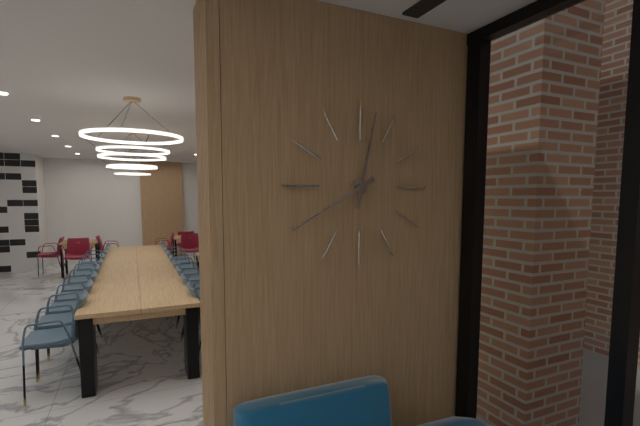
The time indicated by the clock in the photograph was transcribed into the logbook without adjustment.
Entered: 8:02
